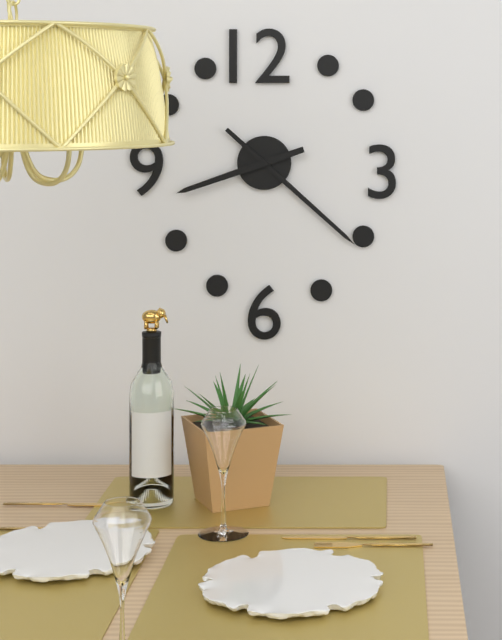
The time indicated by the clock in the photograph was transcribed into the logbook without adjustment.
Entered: 8:22
